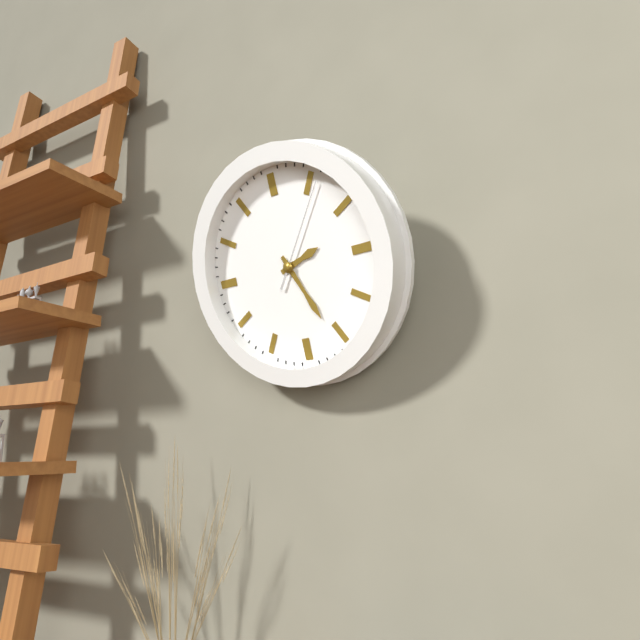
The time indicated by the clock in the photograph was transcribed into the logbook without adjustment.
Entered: 2:26:06
